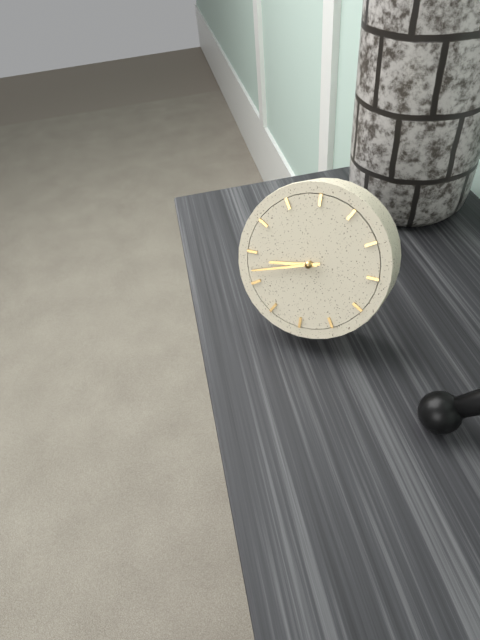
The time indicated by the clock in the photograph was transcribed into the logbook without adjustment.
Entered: 8:42
